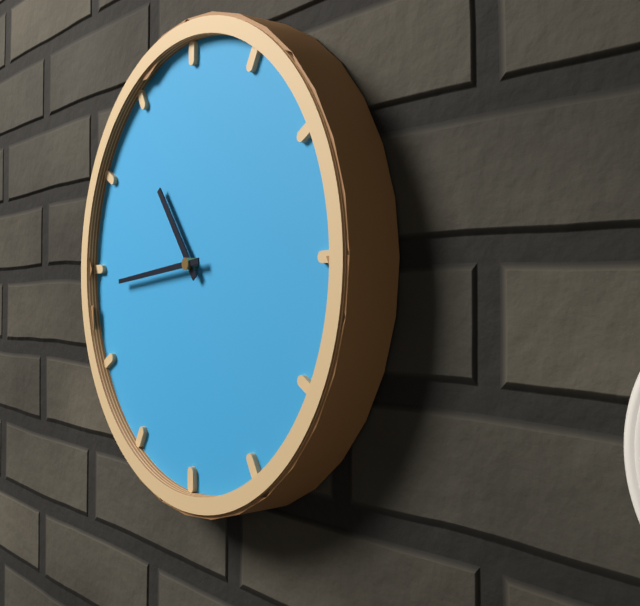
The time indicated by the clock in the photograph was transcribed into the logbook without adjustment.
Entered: 10:44
